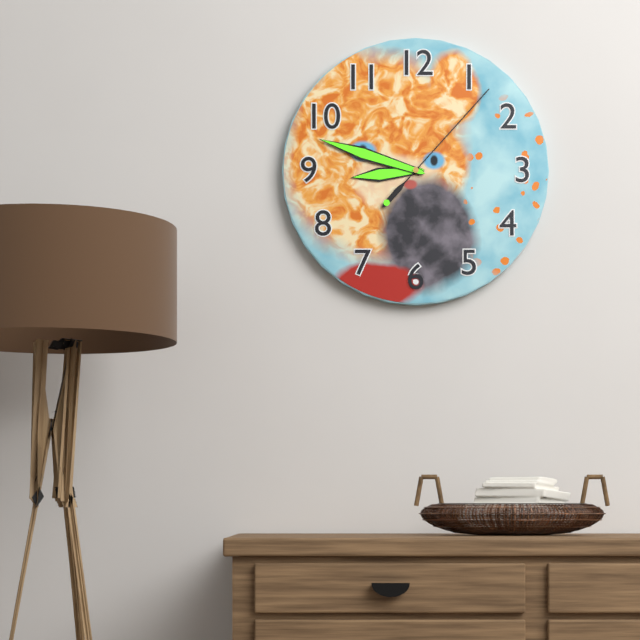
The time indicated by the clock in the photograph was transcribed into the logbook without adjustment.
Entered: 8:48:07
